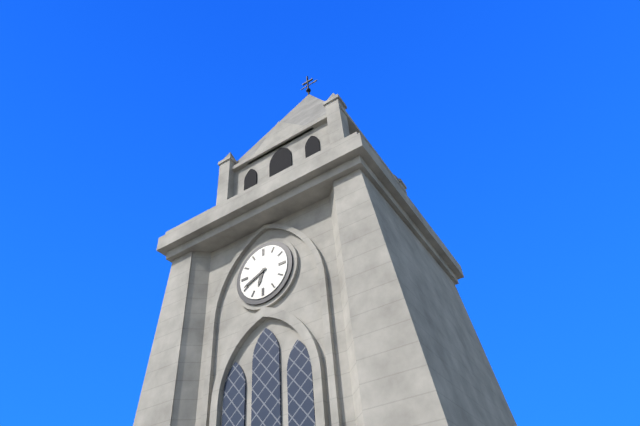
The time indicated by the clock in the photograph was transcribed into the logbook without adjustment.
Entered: 6:41
